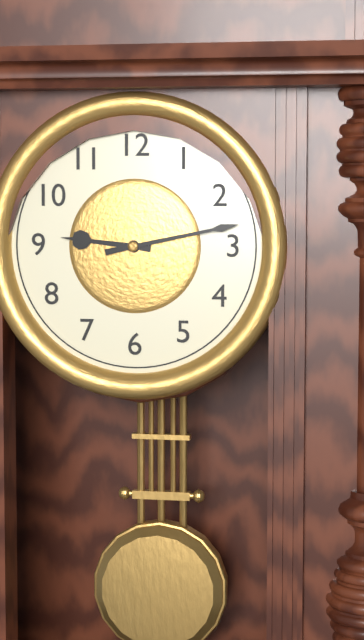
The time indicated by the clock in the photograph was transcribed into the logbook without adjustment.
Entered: 9:13
